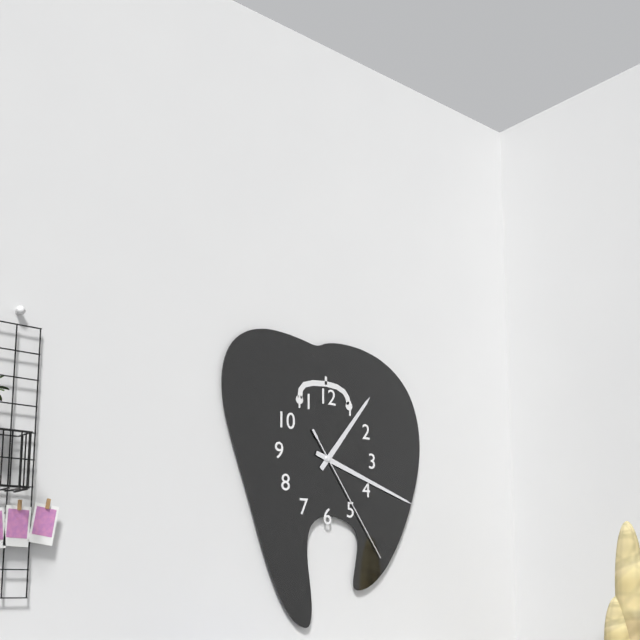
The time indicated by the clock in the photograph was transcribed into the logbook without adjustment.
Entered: 1:18:24
